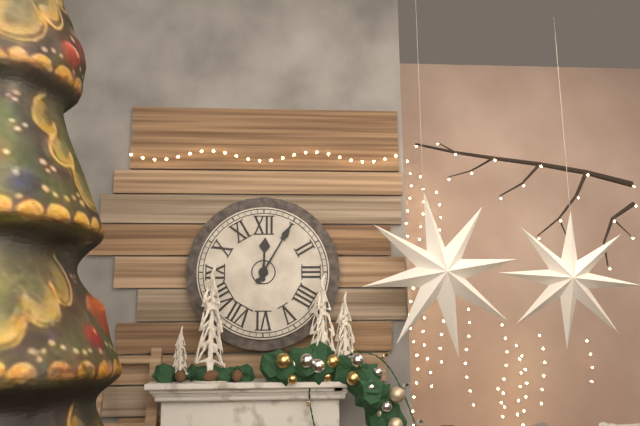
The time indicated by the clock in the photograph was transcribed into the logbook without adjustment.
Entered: 12:05
